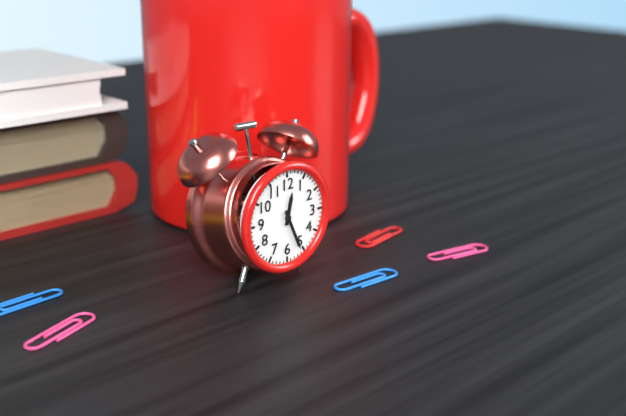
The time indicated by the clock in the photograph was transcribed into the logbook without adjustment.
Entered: 12:26
